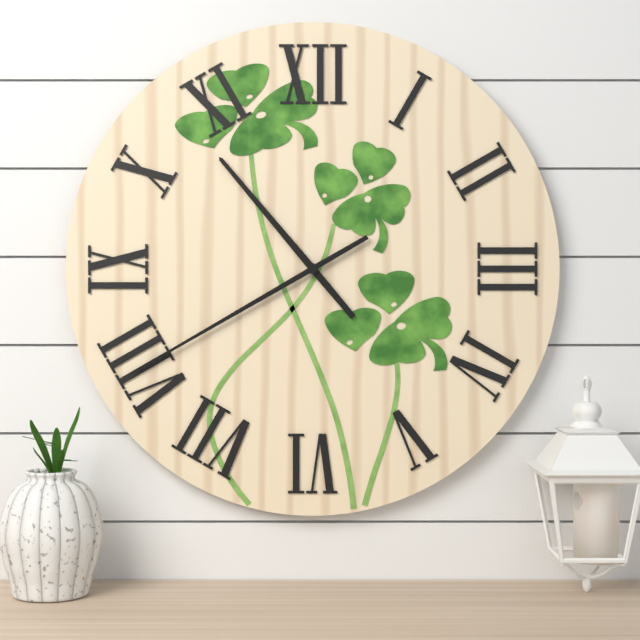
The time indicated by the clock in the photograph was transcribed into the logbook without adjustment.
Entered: 10:40
